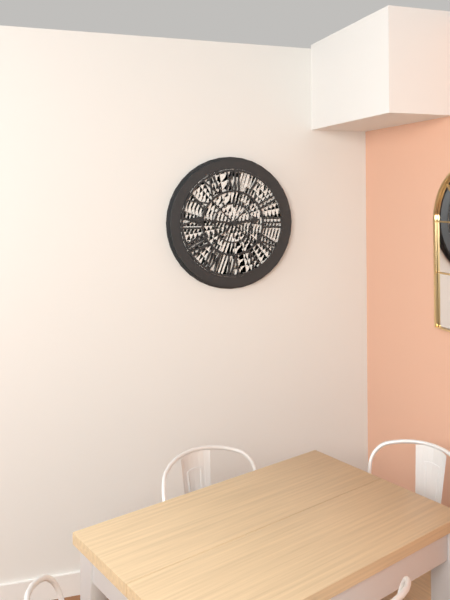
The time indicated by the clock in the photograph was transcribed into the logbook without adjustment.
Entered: 2:46
